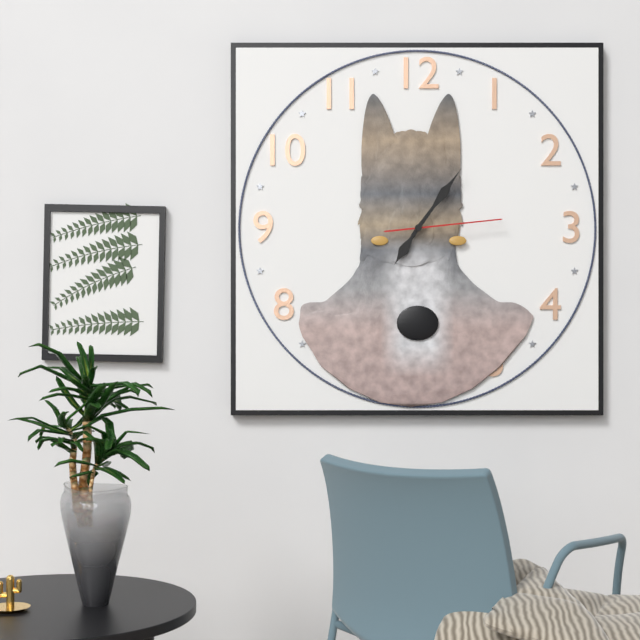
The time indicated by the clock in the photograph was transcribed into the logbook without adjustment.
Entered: 7:06:14
